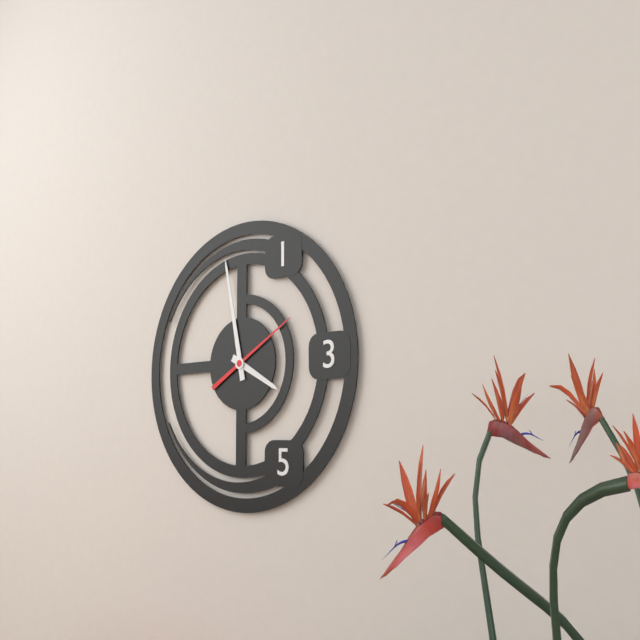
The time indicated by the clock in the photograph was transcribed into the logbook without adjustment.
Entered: 3:58:10
